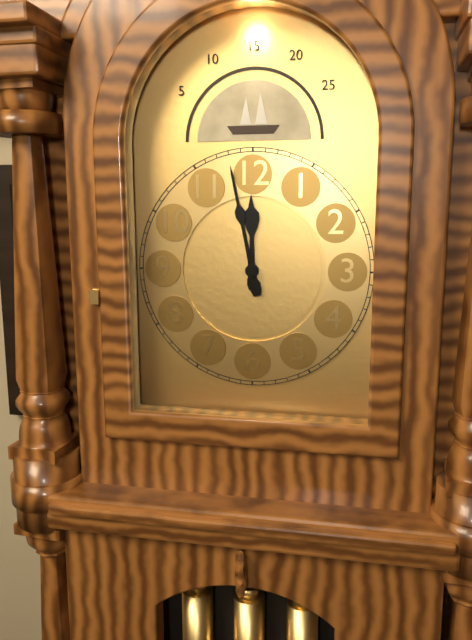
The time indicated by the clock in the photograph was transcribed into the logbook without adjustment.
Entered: 11:58
